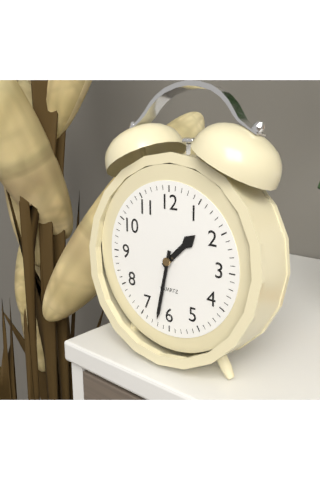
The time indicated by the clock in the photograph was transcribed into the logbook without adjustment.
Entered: 1:32
